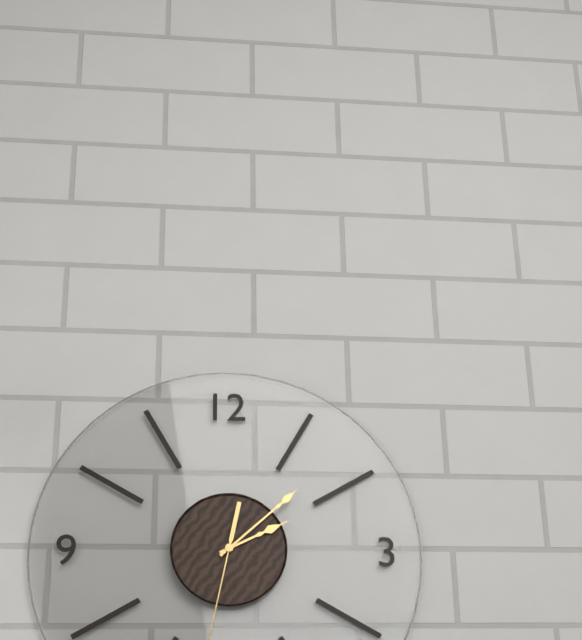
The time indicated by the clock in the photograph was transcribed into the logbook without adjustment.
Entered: 2:08
